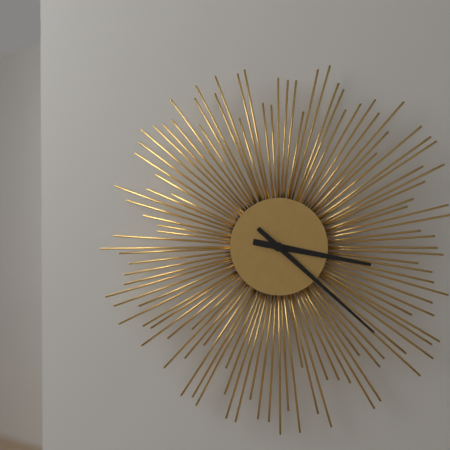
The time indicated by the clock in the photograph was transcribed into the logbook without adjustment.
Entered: 3:22
